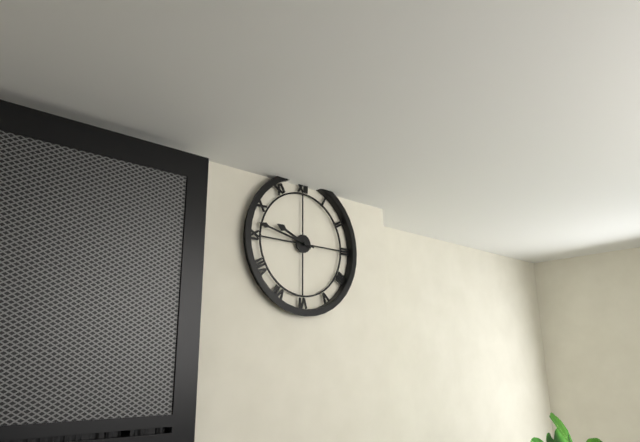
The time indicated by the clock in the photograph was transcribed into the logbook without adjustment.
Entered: 9:47
